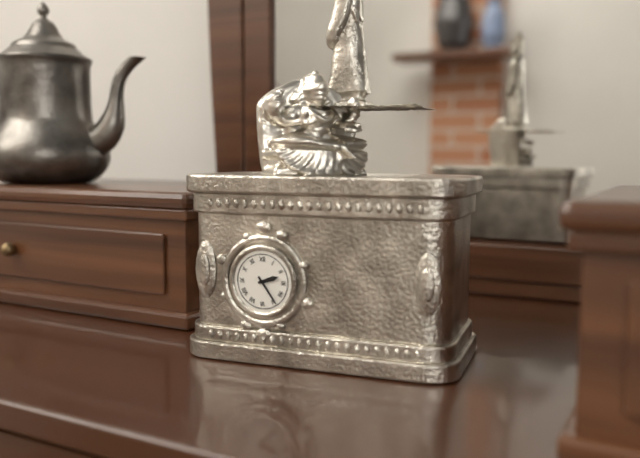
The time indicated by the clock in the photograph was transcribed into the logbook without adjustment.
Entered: 2:24
